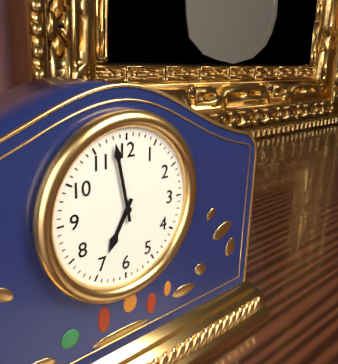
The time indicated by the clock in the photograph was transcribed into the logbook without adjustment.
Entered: 6:58
